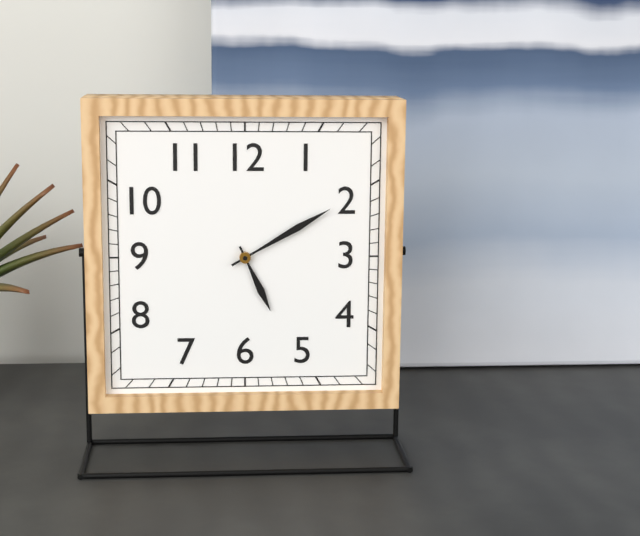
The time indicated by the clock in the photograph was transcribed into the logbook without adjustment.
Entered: 5:10
